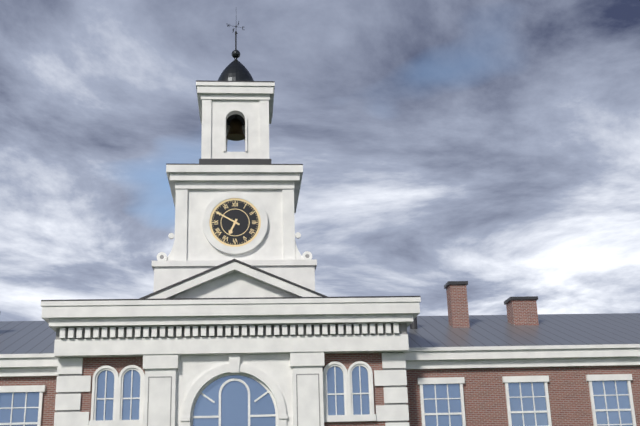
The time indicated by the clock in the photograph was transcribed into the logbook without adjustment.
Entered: 6:50
